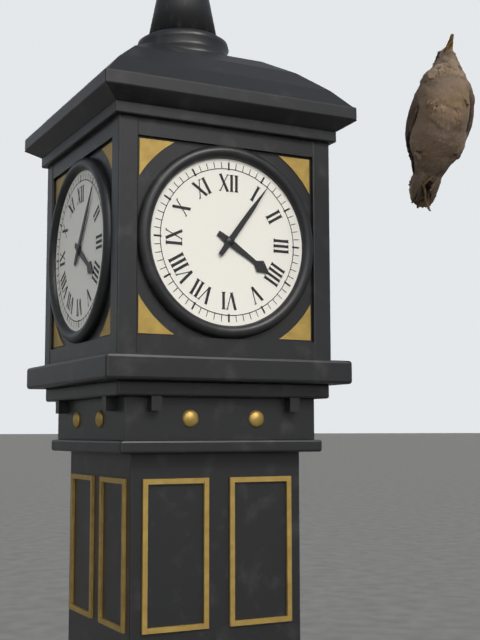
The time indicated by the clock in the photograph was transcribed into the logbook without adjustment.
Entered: 4:06
